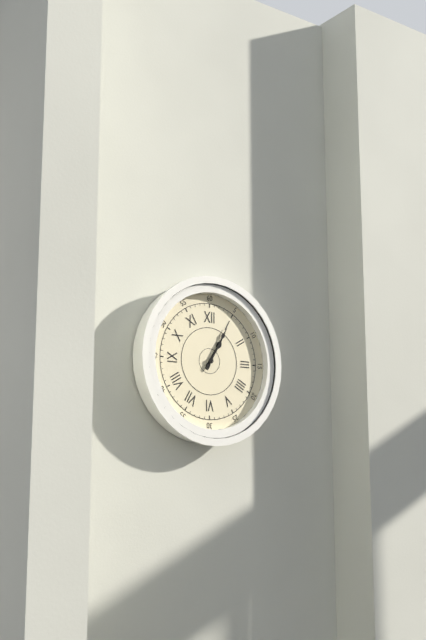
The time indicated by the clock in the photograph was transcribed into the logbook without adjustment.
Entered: 1:05
